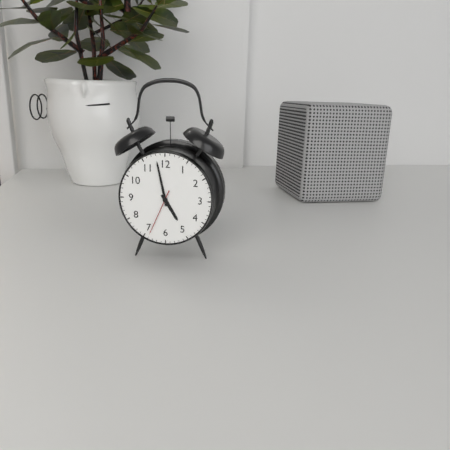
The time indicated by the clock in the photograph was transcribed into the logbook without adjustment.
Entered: 4:58
